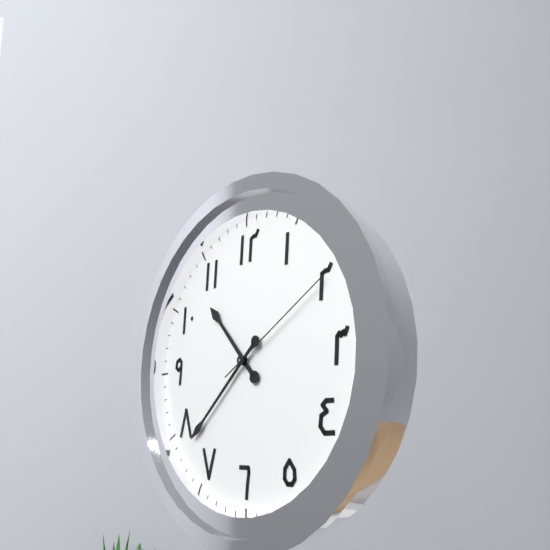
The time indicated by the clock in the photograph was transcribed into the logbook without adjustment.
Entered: 10:38:10
